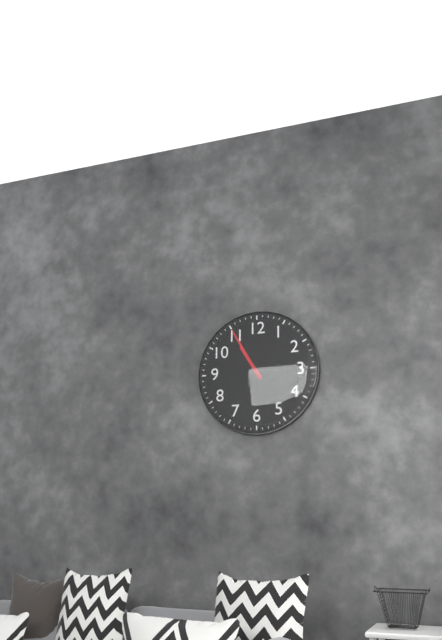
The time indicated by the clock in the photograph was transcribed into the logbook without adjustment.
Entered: 10:55
